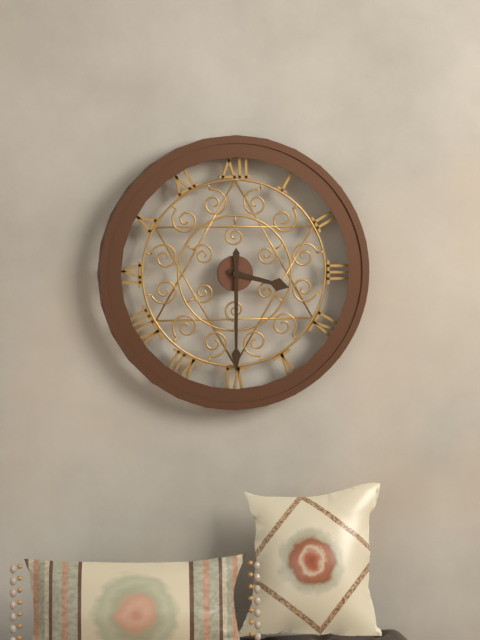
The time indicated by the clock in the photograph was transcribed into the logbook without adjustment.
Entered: 3:30
